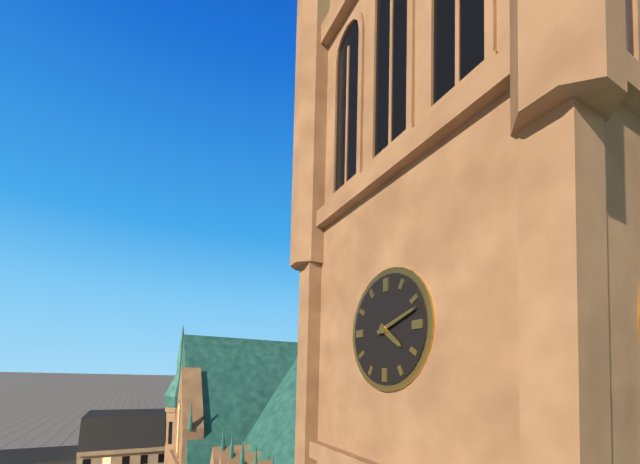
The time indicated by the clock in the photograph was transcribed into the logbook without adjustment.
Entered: 4:12
